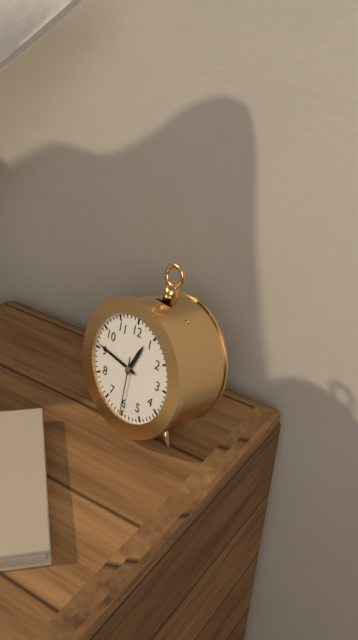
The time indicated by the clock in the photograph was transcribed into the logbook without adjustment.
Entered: 12:46:30
